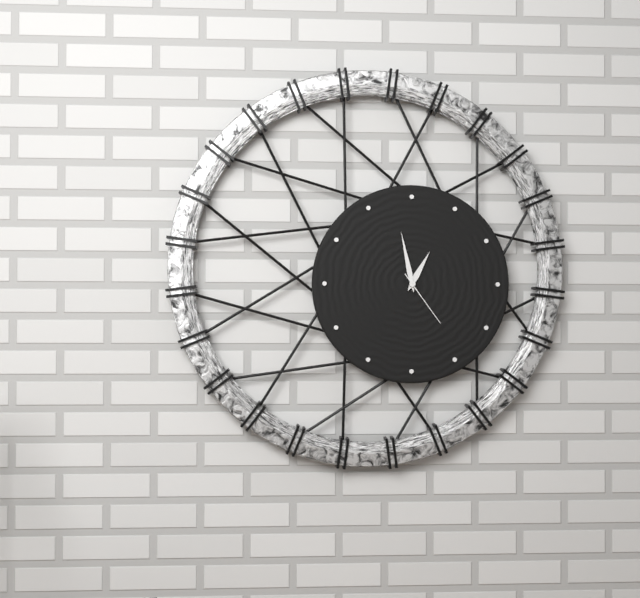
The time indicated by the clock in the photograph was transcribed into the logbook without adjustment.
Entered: 12:58:24
